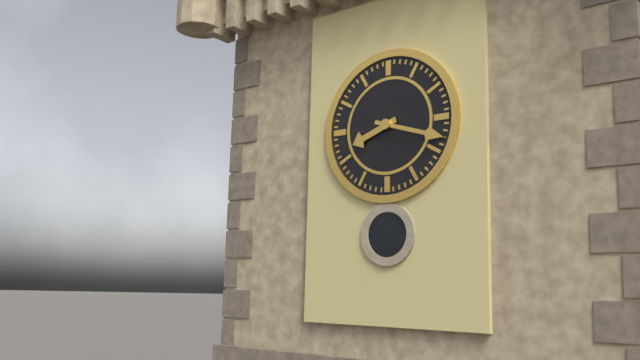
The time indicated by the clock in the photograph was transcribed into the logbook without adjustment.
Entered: 8:18
